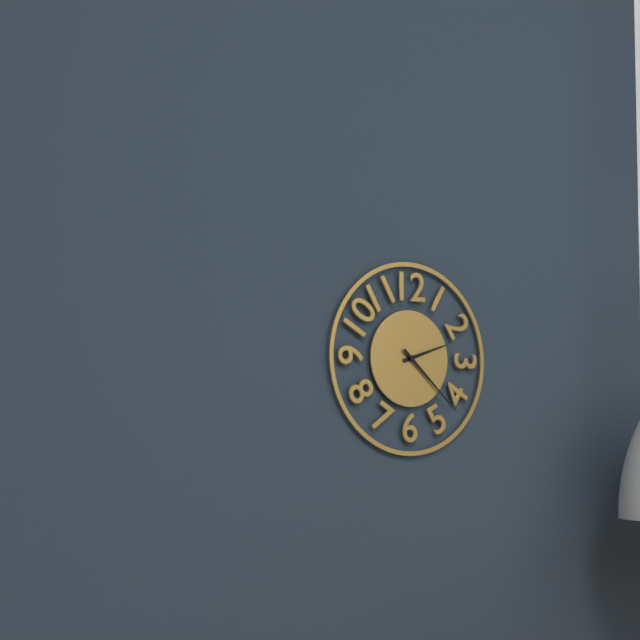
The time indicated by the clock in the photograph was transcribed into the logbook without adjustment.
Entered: 2:22
